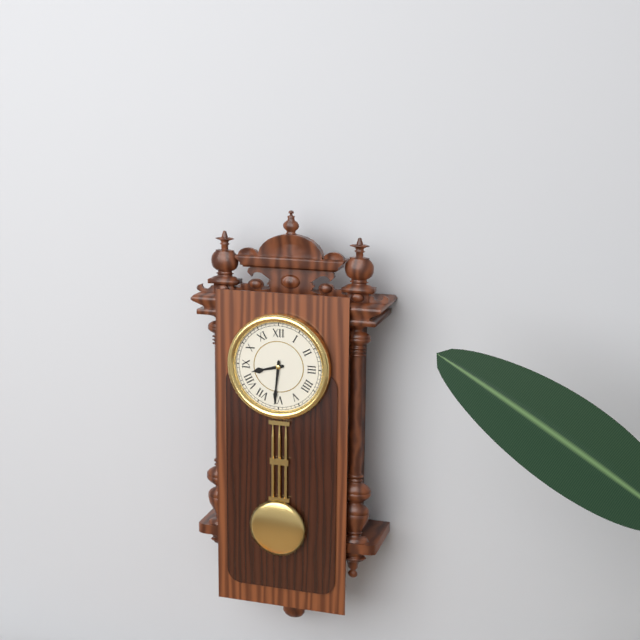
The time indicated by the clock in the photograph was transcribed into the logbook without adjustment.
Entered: 8:31
